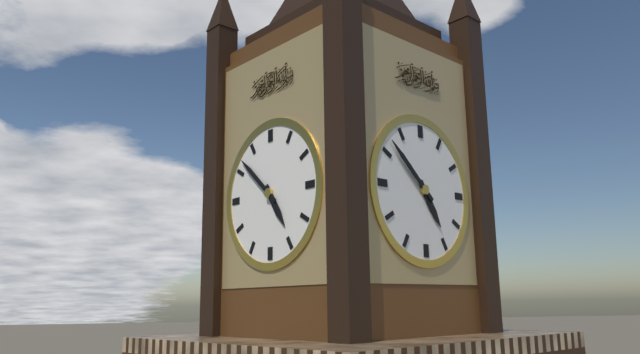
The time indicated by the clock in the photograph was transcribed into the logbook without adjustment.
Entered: 4:52
